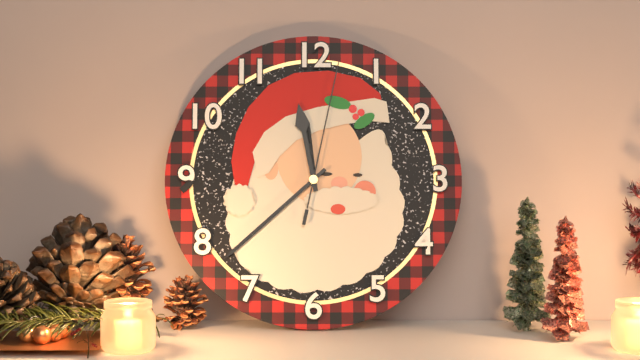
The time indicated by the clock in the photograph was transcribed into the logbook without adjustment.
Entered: 11:38:02
